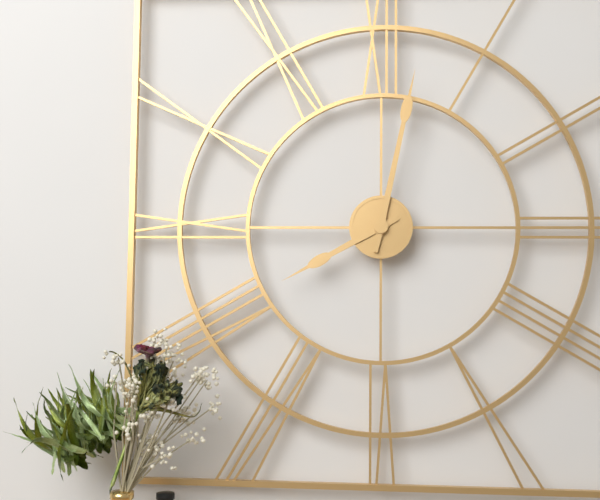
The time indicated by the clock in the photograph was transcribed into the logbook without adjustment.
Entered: 8:02
